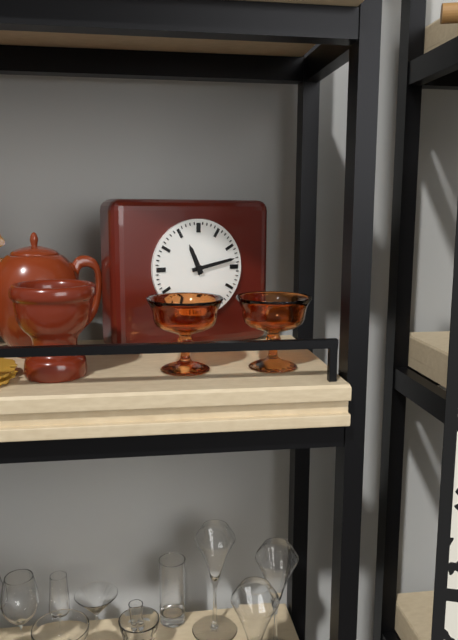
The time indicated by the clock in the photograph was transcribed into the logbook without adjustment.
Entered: 11:13
